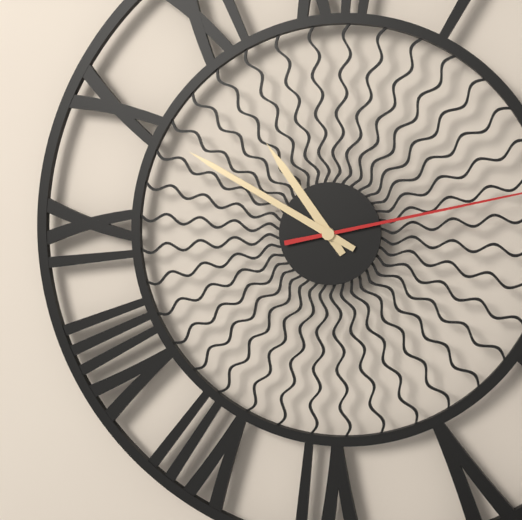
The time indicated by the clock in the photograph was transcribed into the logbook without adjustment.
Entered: 10:50
